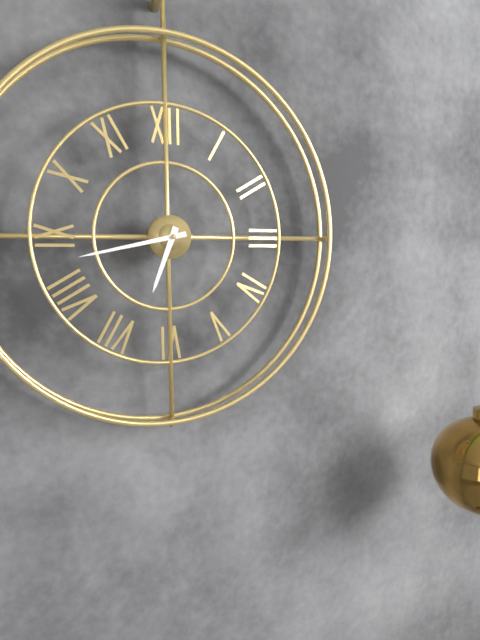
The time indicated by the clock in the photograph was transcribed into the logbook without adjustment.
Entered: 6:43
